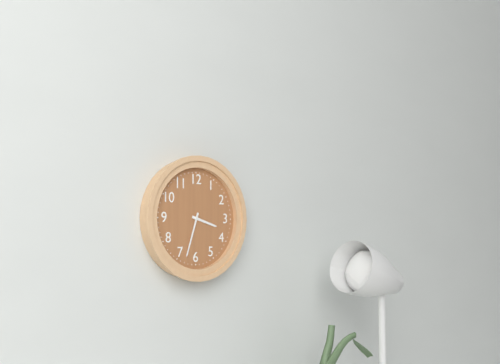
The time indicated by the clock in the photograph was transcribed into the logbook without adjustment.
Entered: 3:33
